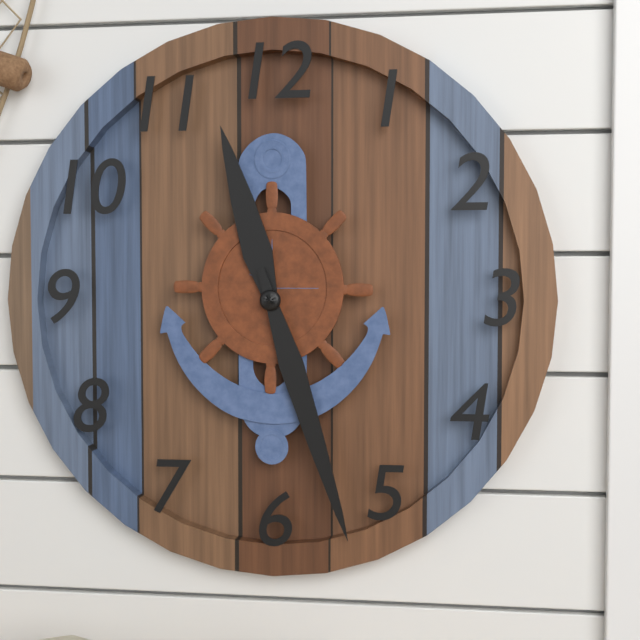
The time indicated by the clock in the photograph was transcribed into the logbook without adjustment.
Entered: 11:27
